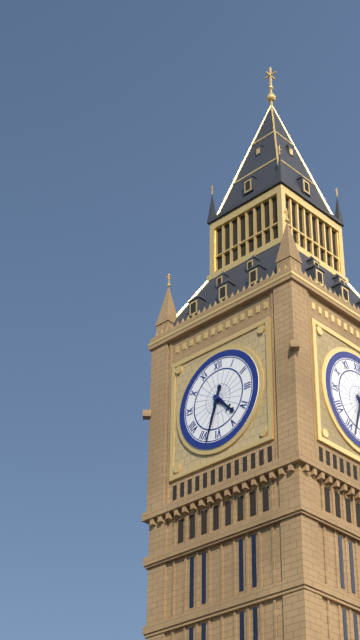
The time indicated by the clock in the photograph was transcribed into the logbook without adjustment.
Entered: 4:33
